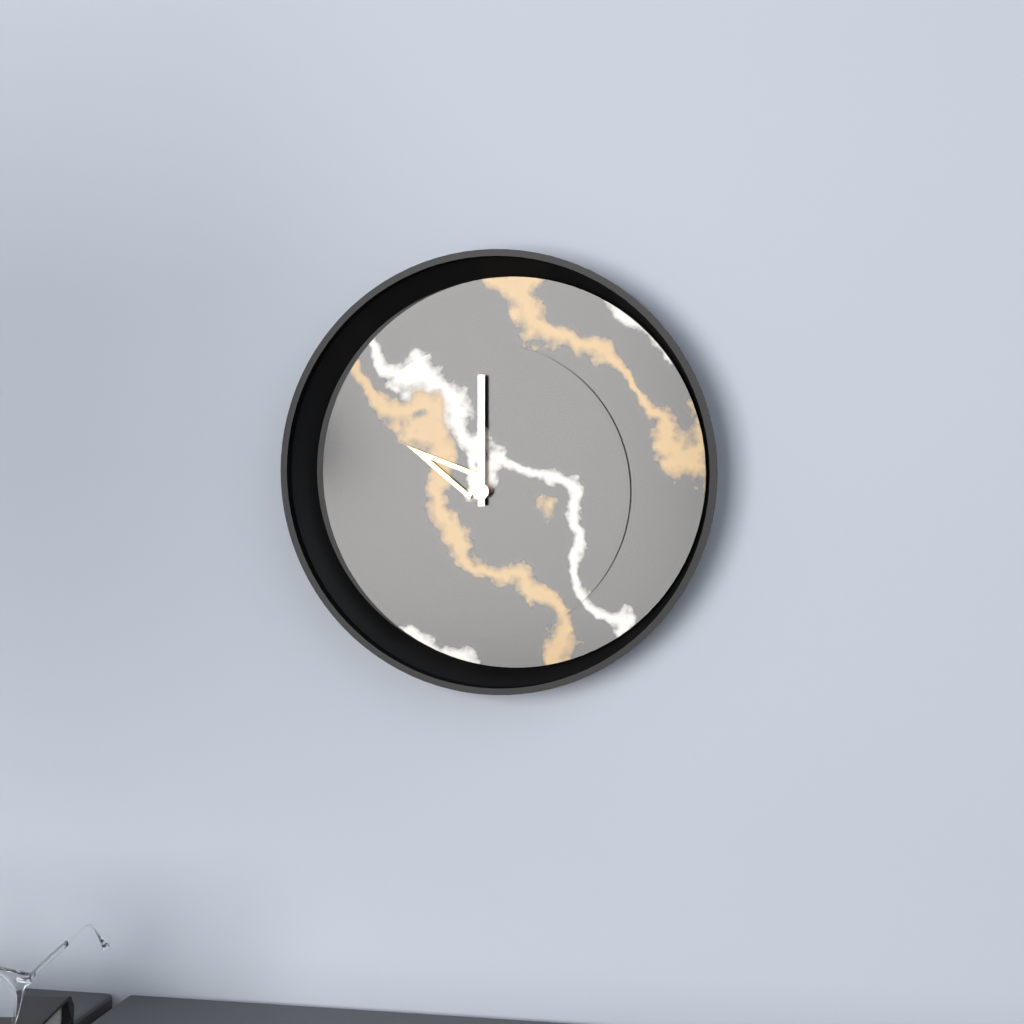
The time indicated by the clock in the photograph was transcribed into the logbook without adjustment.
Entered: 10:00
